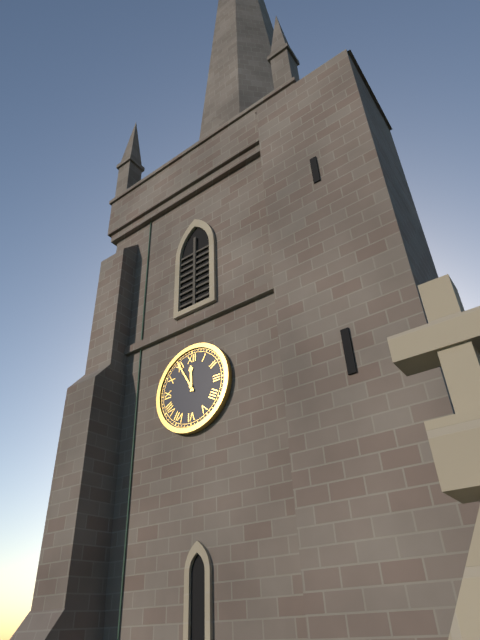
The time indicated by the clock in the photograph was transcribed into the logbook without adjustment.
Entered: 11:55
